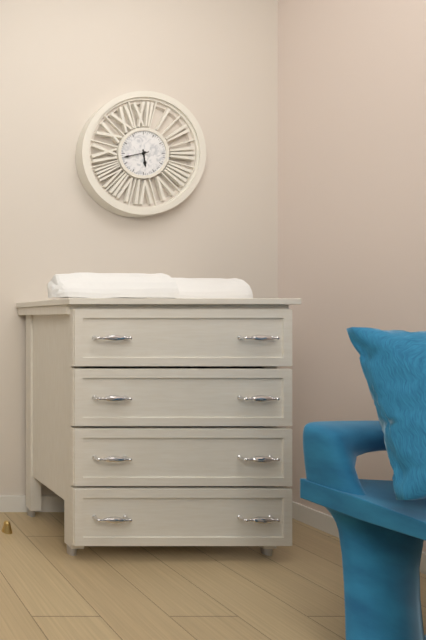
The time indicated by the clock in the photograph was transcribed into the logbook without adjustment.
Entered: 5:43
